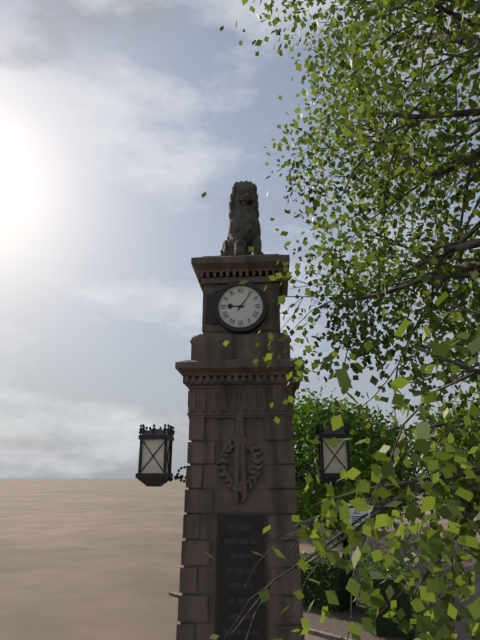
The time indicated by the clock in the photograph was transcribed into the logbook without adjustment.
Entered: 9:06
